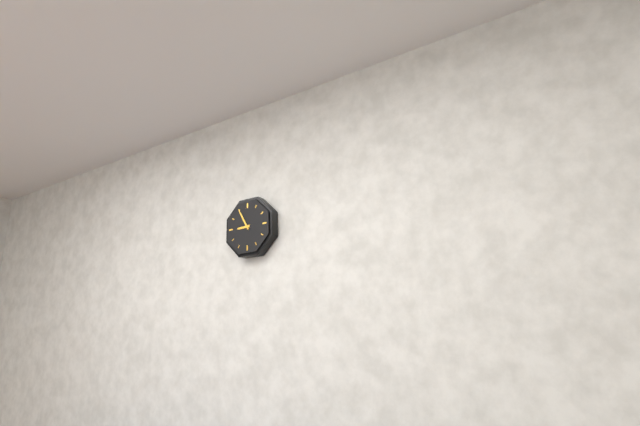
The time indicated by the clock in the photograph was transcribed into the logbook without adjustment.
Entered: 8:55
